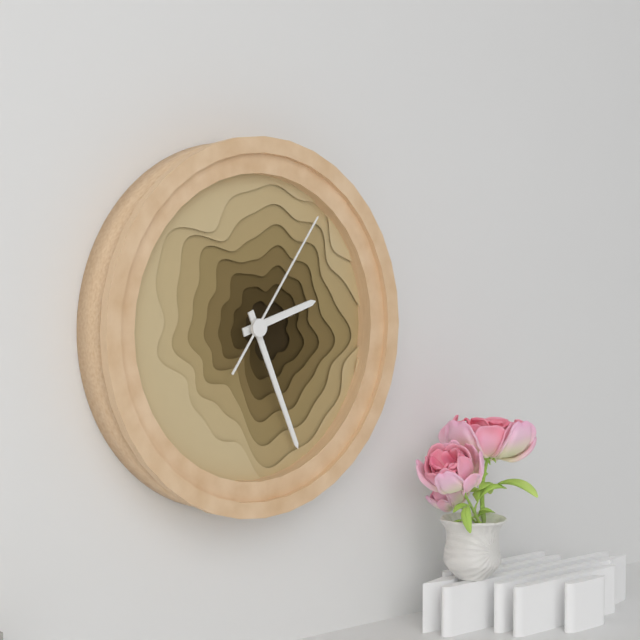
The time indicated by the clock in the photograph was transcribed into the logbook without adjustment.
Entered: 2:26:06
